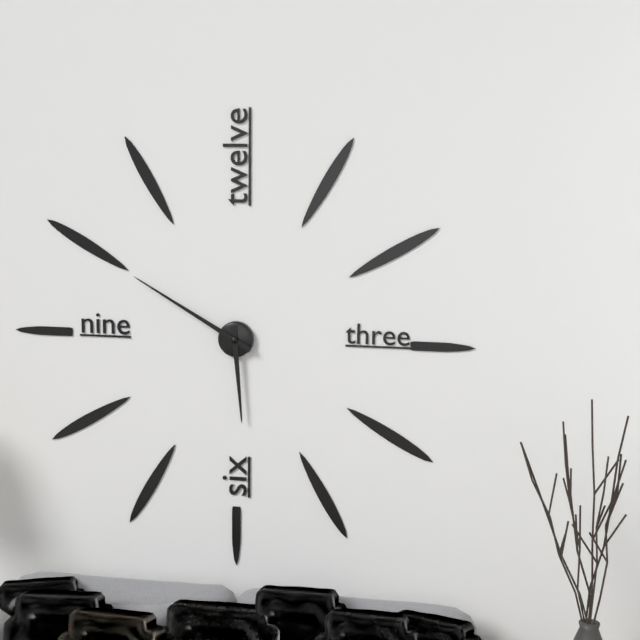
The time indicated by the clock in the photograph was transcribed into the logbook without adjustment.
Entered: 5:50
